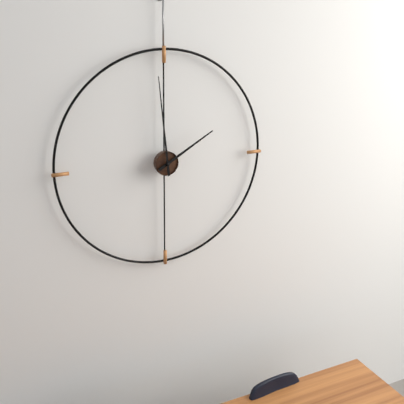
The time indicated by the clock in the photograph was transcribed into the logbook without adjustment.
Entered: 1:59
